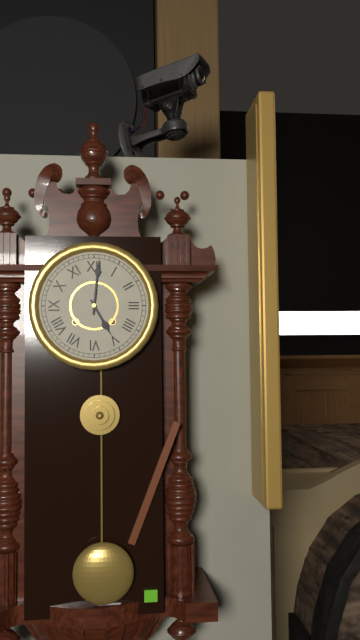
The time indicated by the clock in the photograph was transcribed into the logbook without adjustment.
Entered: 5:01
